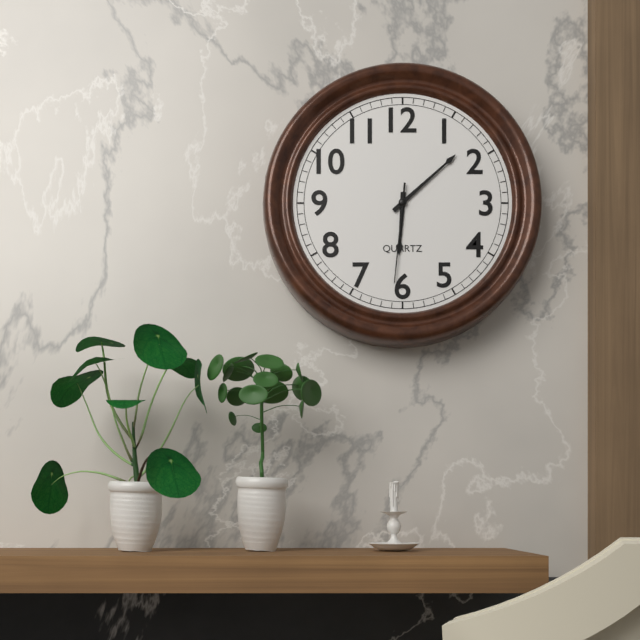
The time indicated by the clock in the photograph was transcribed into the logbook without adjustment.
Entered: 6:08:31
